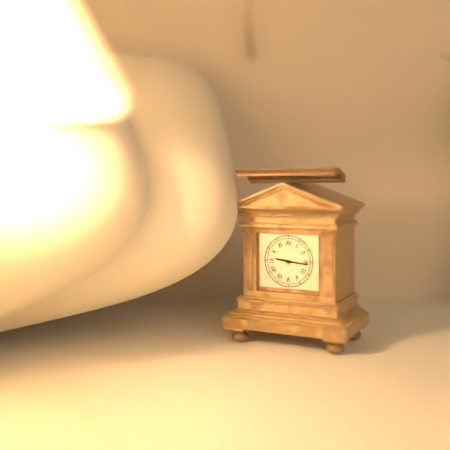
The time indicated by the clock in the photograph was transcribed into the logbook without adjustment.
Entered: 9:16
